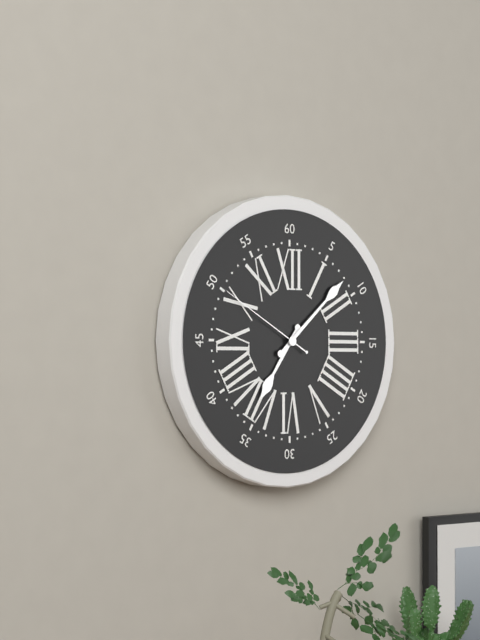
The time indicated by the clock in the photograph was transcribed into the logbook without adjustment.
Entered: 7:08:50
